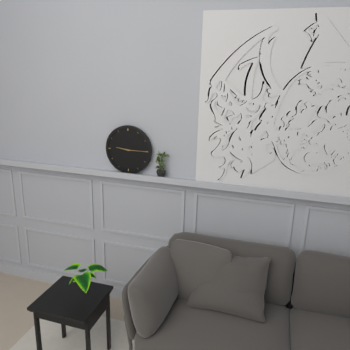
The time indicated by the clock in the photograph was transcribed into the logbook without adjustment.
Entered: 9:15
